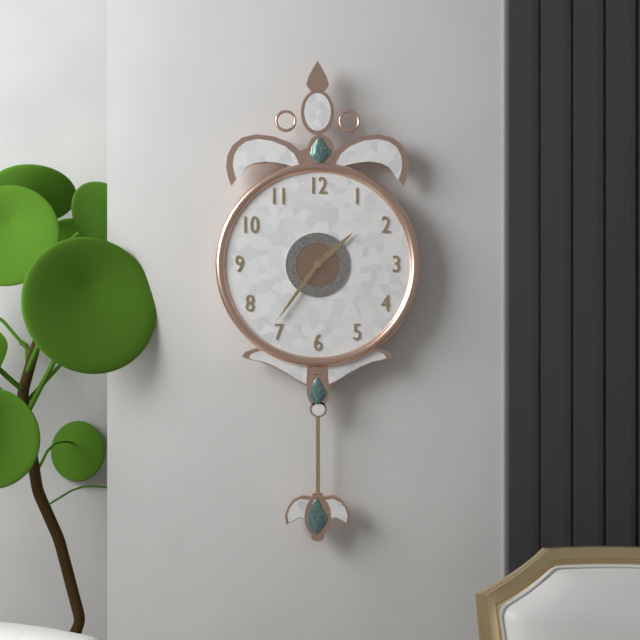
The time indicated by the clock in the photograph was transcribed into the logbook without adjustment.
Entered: 1:36:36
